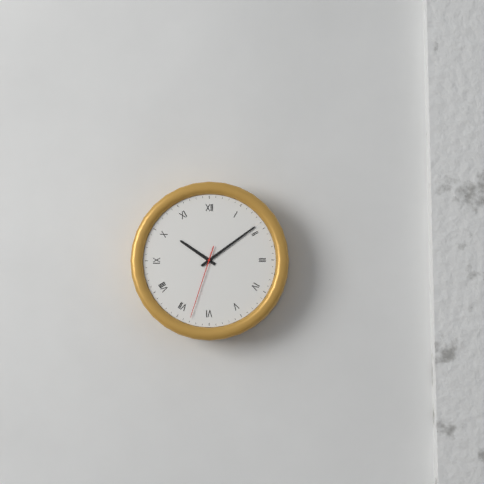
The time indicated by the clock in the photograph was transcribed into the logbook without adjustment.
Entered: 10:09:33
